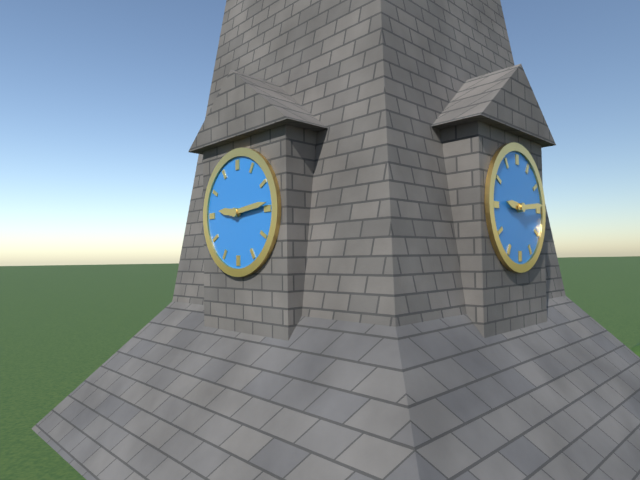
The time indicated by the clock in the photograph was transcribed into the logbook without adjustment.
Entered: 9:14
